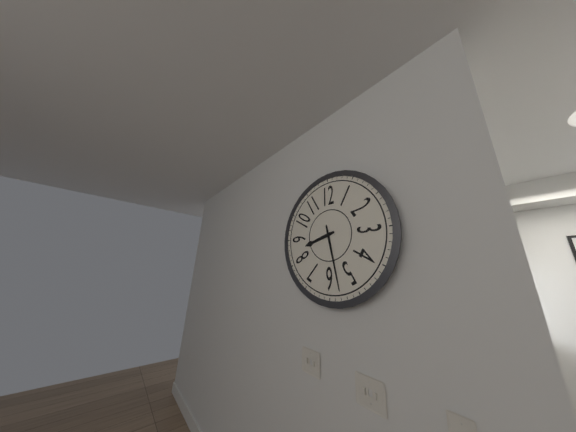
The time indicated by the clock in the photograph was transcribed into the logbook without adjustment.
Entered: 8:28
